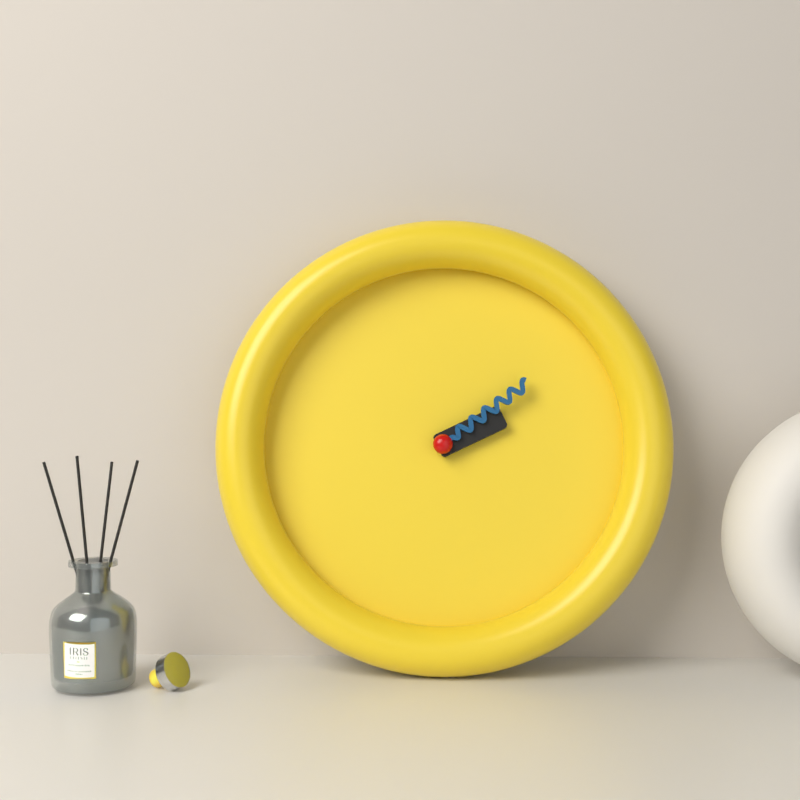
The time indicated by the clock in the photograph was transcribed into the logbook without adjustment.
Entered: 2:09
